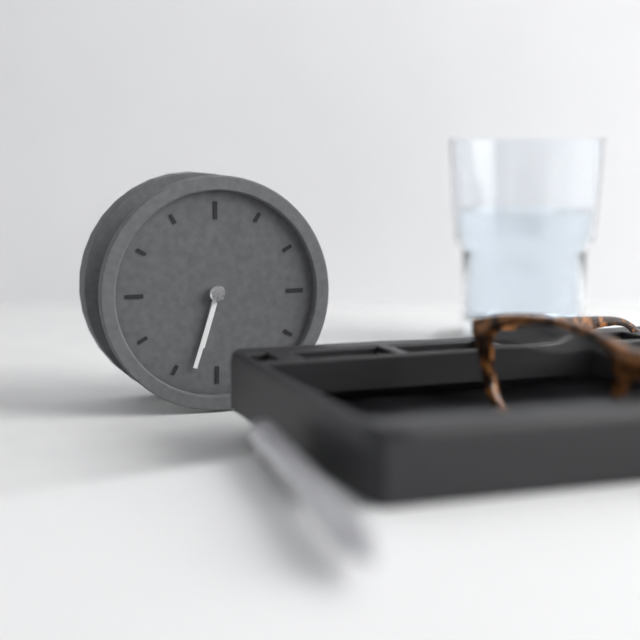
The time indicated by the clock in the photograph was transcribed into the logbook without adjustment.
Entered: 6:33
